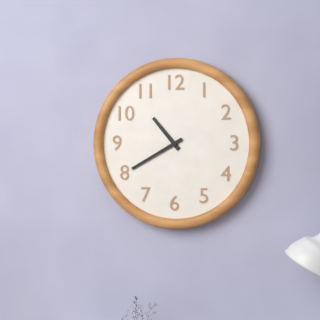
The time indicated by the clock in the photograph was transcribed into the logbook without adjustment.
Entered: 10:40
